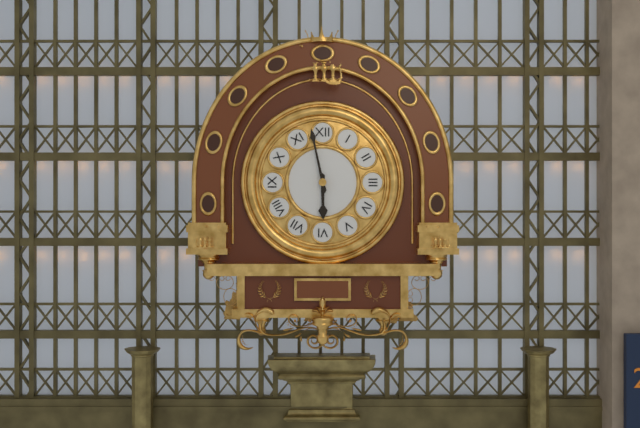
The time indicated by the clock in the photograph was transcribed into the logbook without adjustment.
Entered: 5:58
